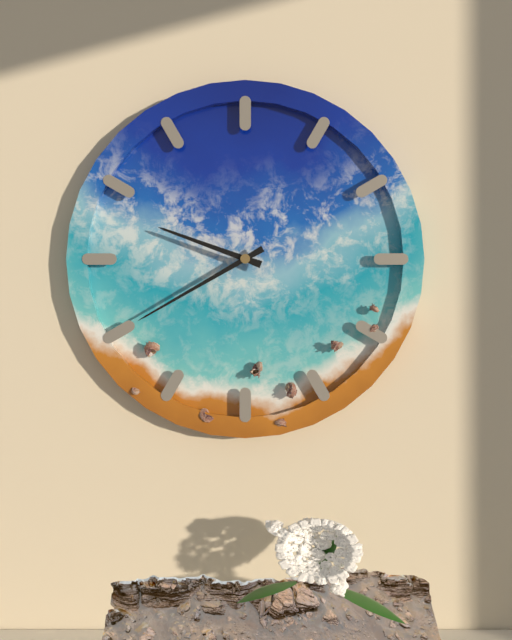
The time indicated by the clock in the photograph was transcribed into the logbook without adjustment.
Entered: 9:40
